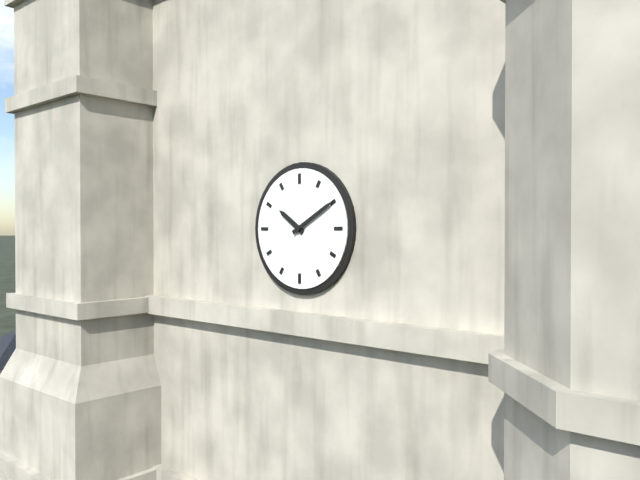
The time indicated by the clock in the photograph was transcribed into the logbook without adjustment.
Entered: 10:10
